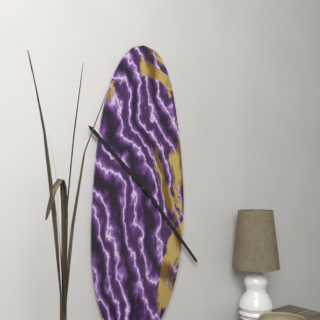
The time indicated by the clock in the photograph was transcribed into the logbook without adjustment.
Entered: 10:23
